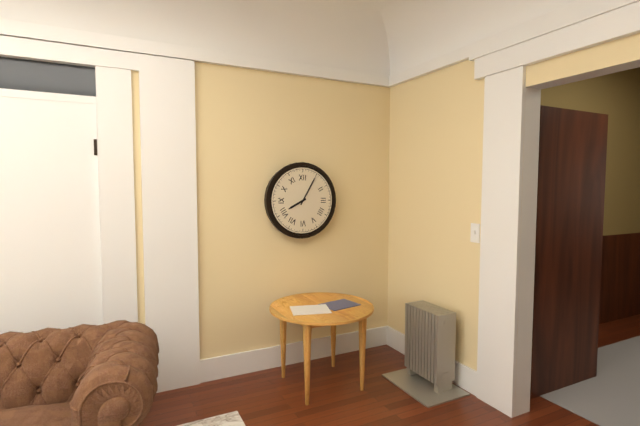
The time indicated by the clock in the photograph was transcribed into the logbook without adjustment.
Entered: 8:05
